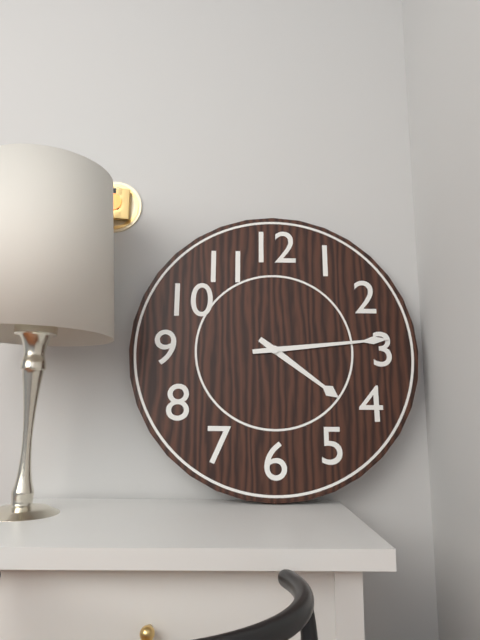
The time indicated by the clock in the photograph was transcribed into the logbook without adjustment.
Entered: 4:14
